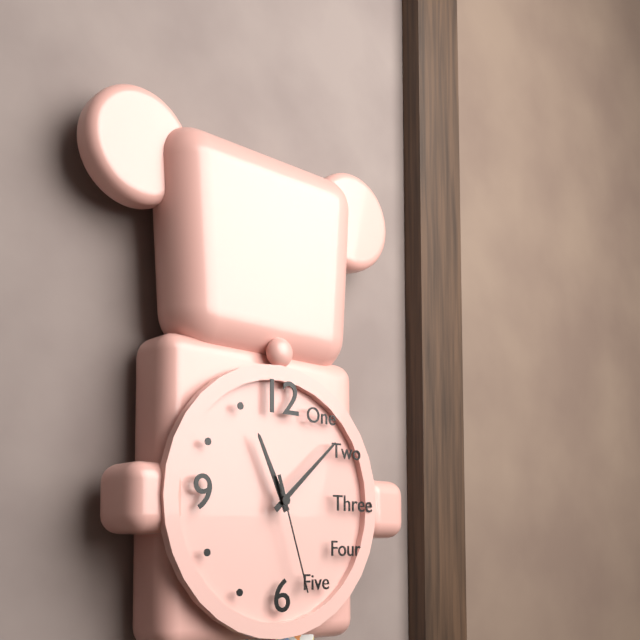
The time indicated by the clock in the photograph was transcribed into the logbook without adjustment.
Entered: 11:08:27
